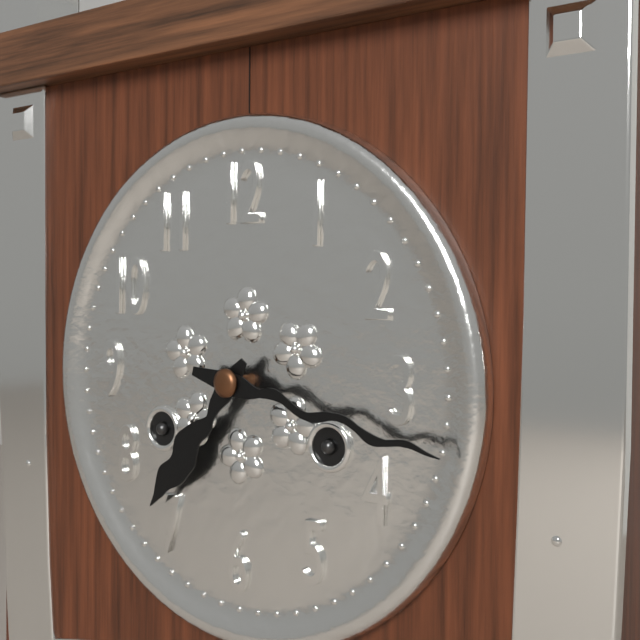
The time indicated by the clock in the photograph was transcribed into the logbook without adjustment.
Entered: 7:17
